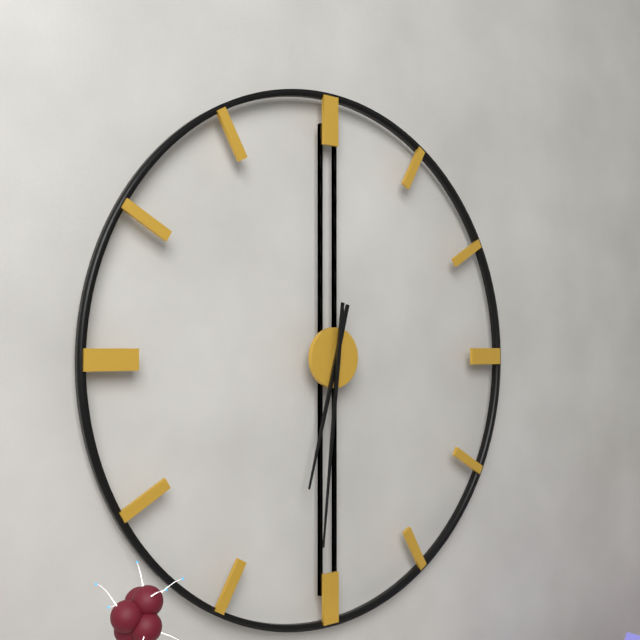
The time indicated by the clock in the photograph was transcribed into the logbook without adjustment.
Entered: 6:31
